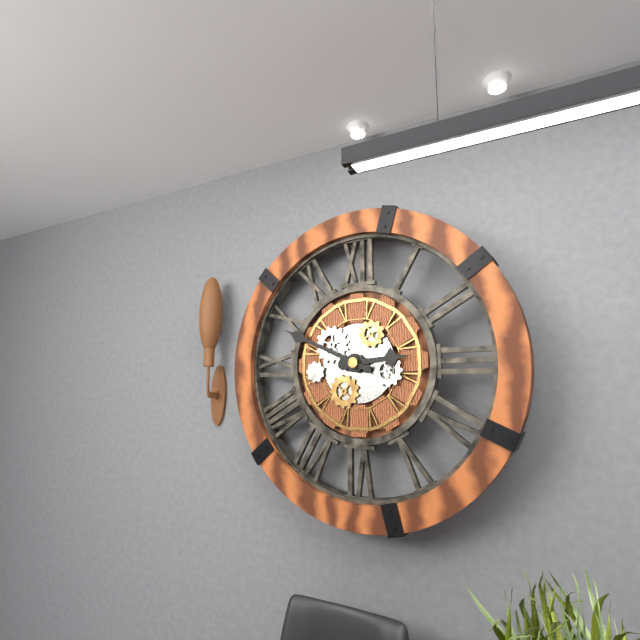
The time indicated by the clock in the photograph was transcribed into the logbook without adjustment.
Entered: 2:49
